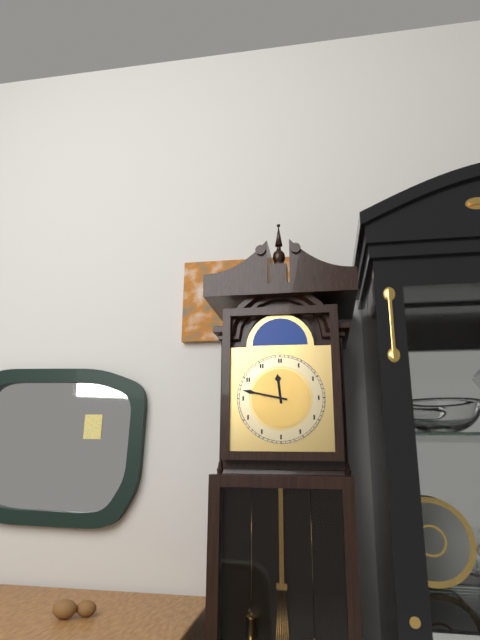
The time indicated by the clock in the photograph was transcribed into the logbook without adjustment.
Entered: 11:47
